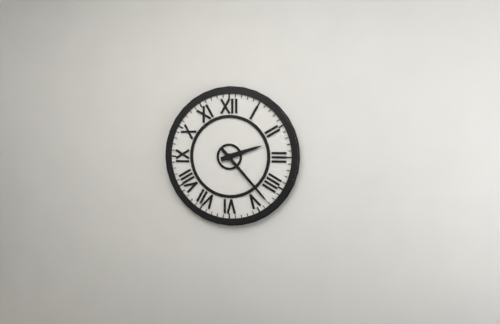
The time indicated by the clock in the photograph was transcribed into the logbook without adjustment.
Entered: 2:23
